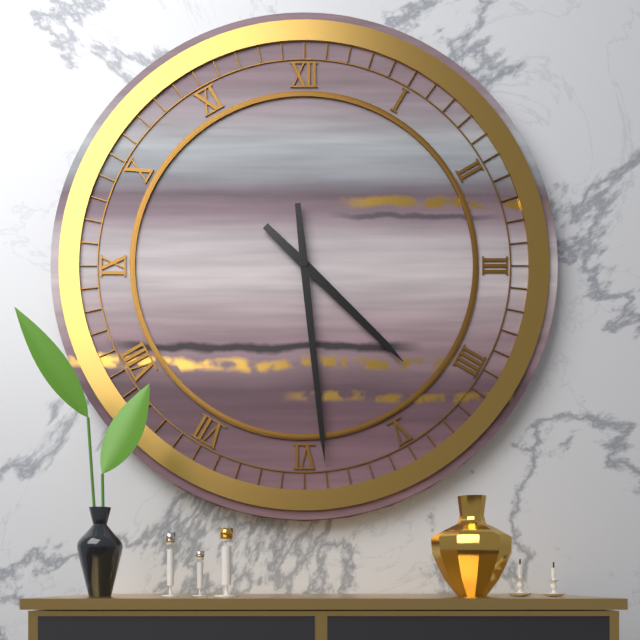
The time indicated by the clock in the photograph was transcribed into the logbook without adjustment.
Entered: 4:29
